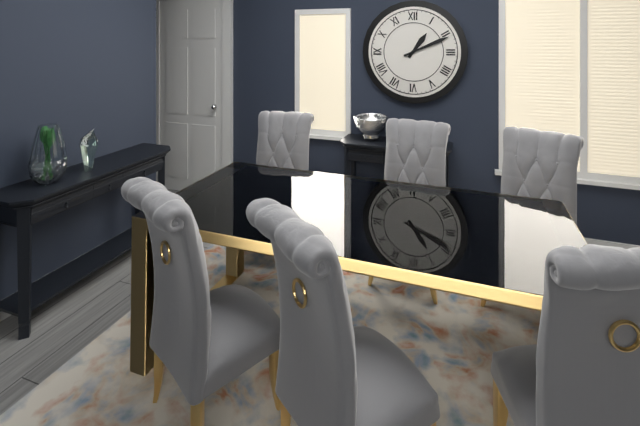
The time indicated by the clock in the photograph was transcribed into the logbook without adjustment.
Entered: 1:11
